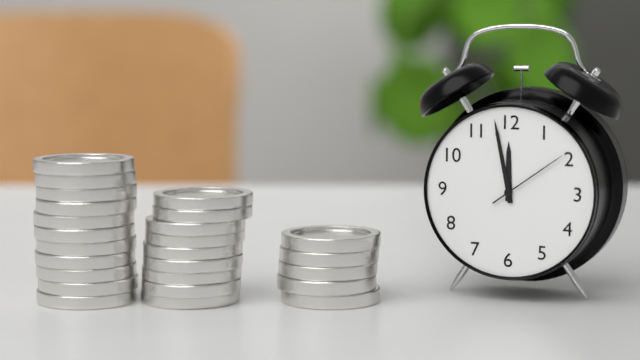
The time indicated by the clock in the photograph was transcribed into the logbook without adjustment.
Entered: 11:58:09
